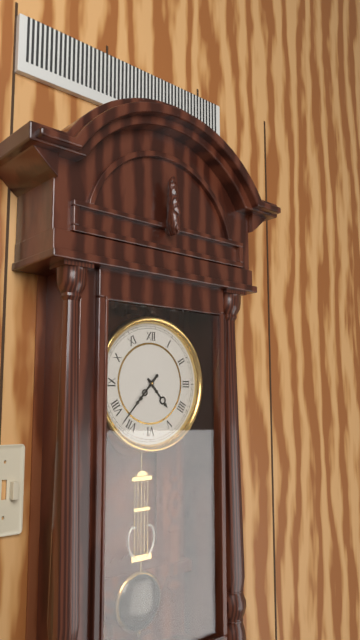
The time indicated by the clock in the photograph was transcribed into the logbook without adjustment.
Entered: 4:37
